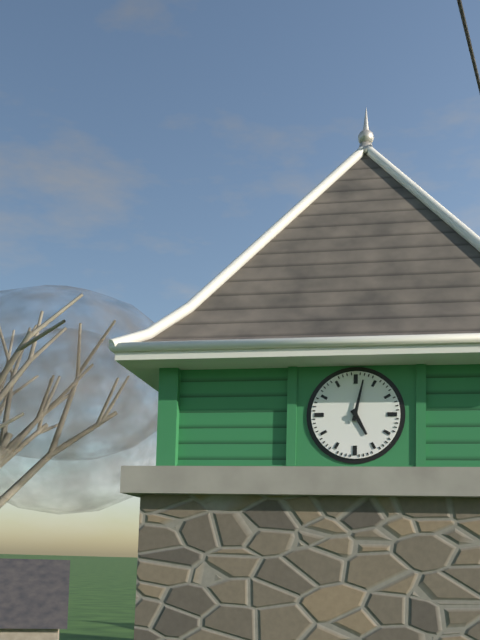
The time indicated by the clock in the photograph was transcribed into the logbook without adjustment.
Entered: 5:02
